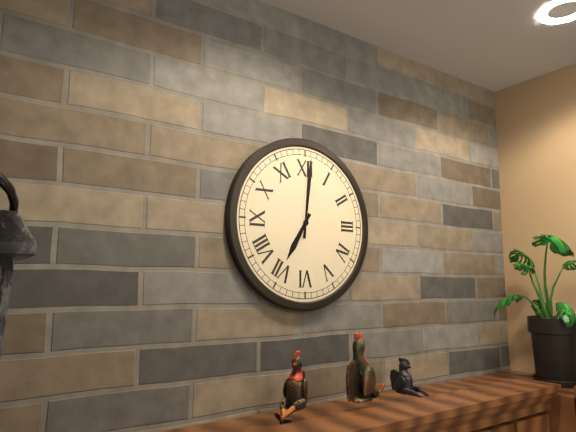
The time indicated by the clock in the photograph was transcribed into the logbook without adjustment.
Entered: 7:01
